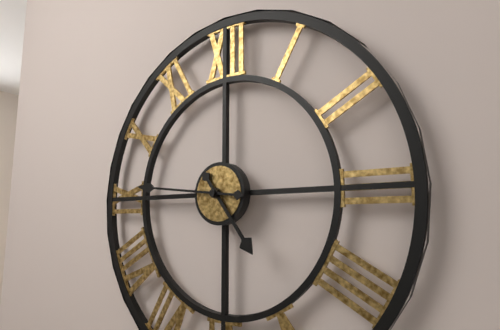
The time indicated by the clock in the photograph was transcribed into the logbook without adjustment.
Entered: 4:46
